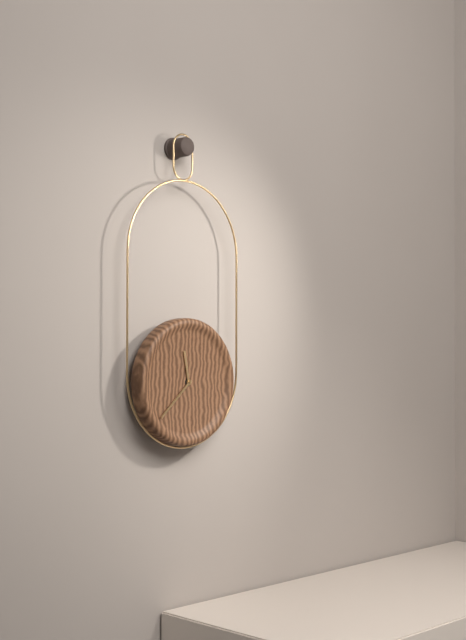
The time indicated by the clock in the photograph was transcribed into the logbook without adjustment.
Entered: 11:38
